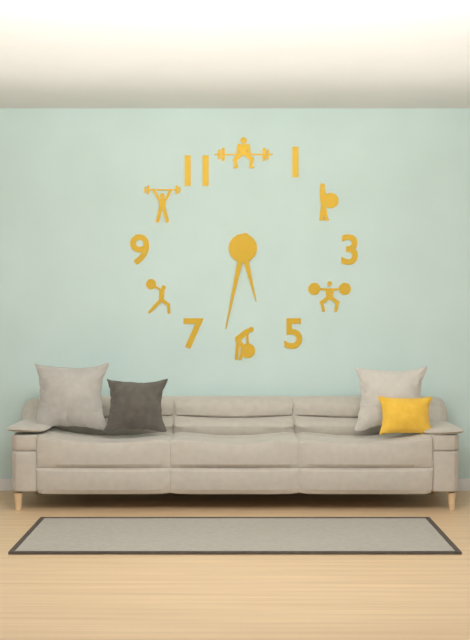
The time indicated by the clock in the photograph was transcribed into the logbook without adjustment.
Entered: 5:32
